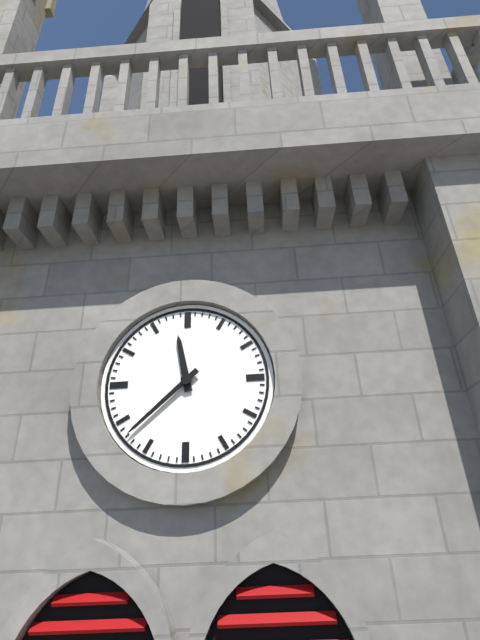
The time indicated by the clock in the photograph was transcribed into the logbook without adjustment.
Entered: 11:38
